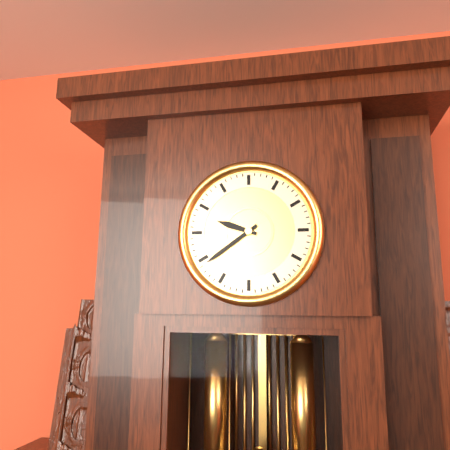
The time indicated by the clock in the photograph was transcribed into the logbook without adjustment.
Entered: 9:39
